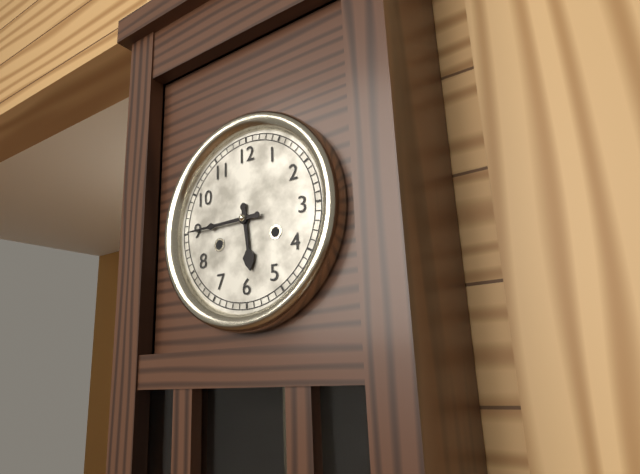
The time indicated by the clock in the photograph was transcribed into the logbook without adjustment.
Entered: 5:45
